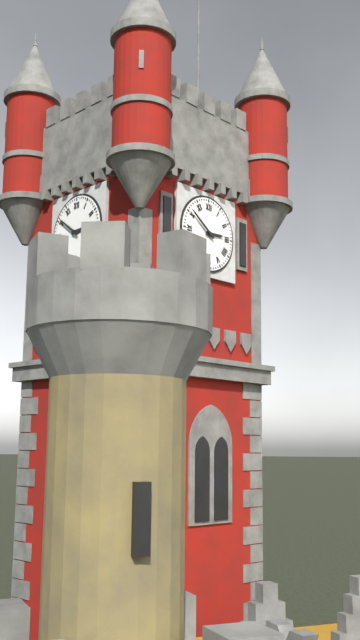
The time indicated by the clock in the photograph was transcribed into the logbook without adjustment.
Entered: 2:51
